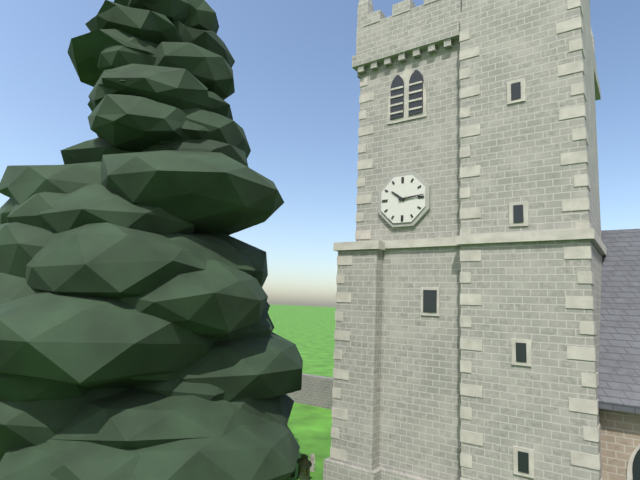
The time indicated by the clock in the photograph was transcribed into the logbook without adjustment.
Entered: 10:14
